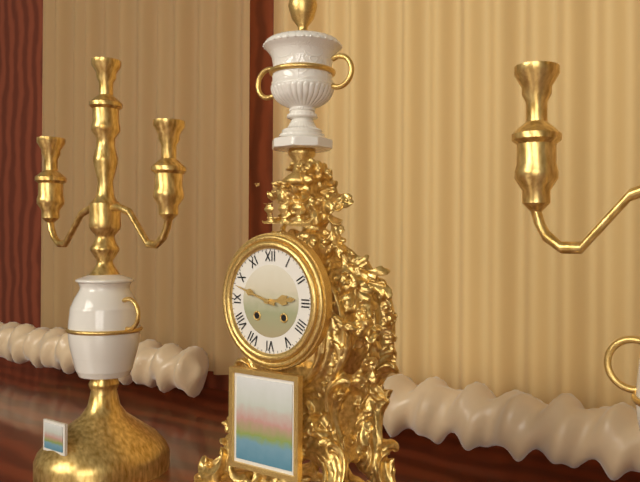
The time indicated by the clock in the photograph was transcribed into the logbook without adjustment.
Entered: 2:48
